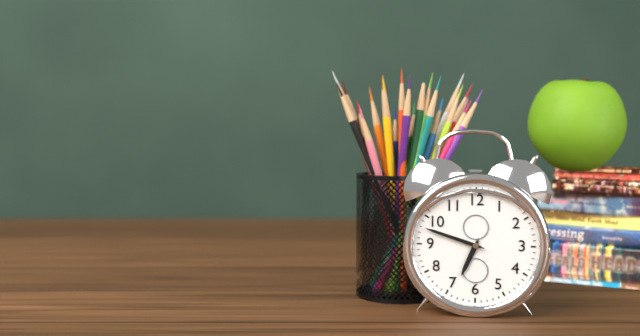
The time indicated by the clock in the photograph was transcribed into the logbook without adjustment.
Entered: 6:48
